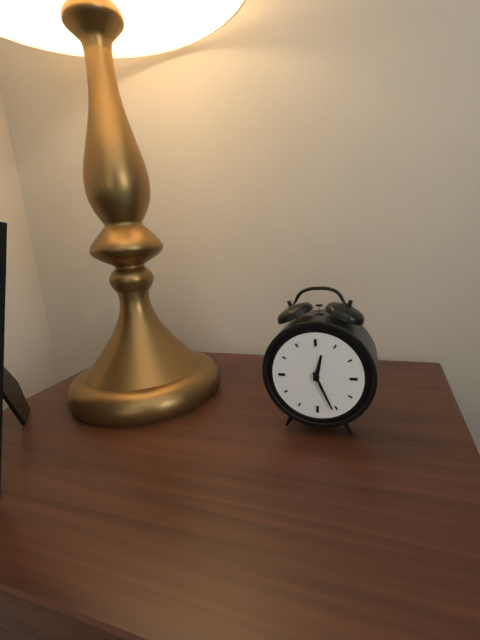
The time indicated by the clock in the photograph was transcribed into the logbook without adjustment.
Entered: 12:26
